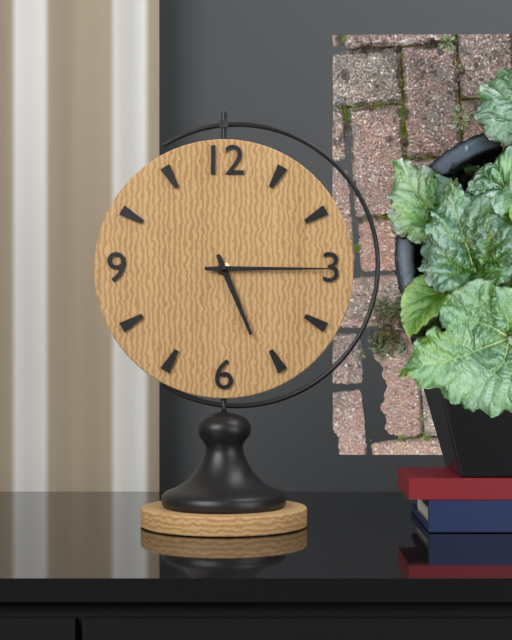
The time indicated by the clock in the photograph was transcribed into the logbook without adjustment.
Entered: 5:15
